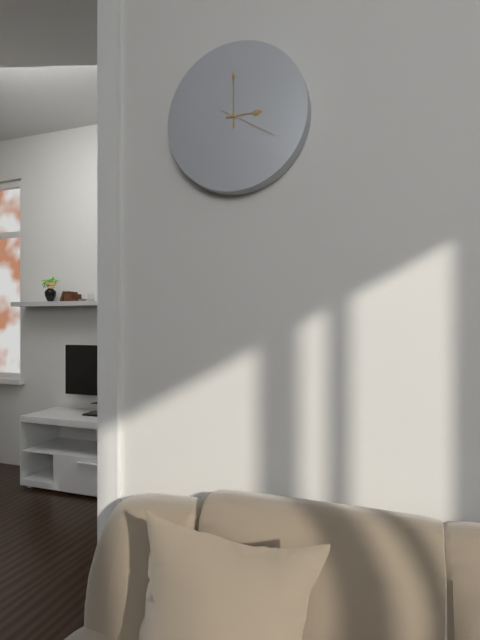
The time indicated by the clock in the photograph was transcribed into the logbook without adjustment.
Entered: 3:00:20
